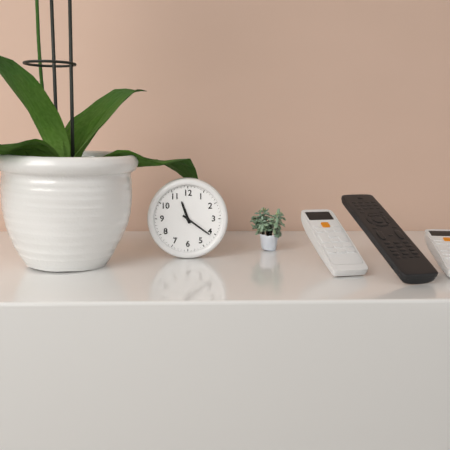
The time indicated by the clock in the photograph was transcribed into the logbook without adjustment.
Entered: 11:21
